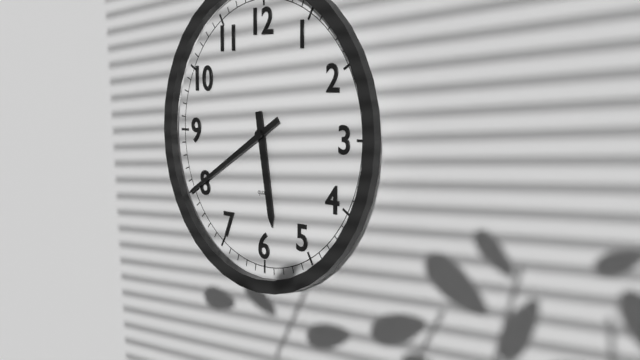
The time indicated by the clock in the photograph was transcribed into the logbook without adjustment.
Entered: 5:40
